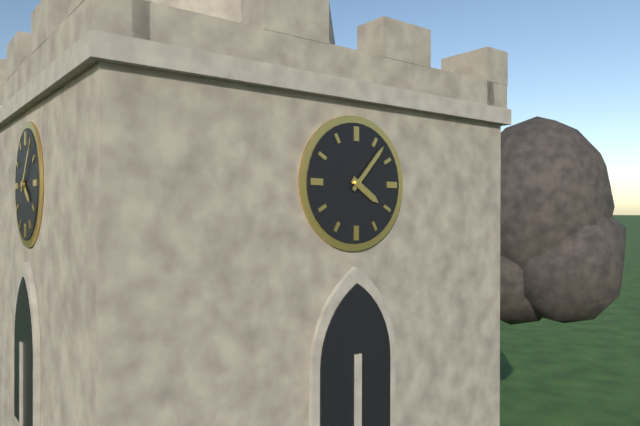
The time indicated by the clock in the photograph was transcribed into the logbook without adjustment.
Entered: 4:07
